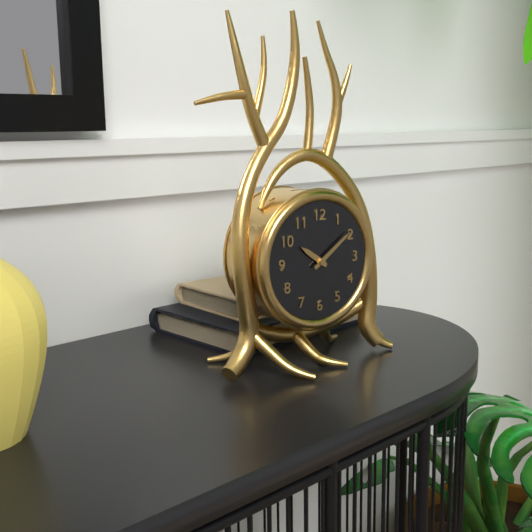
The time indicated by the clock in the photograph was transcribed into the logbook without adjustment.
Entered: 10:09
